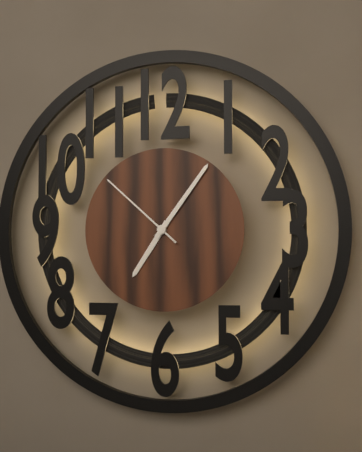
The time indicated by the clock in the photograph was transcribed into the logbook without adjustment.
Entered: 7:06:52
